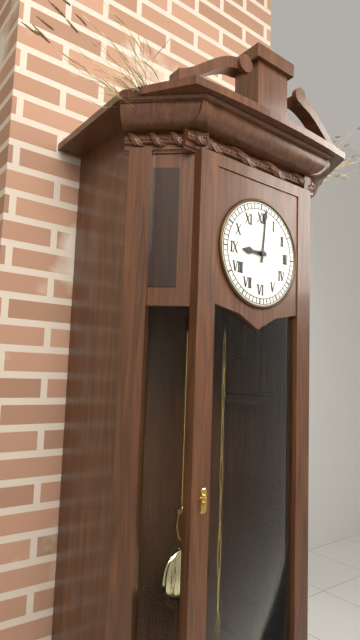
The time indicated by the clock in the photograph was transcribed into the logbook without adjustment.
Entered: 9:01
